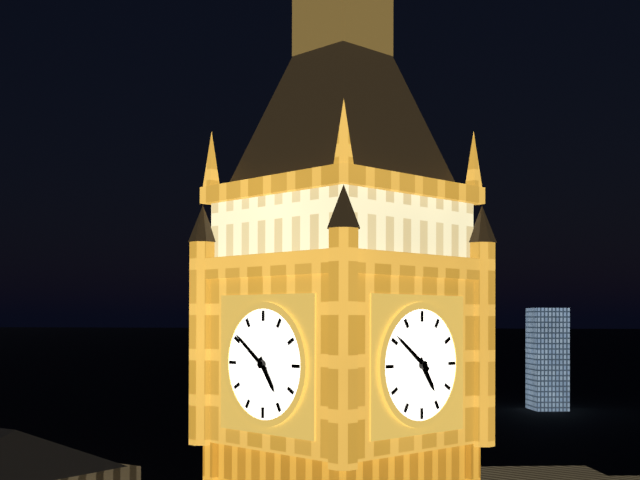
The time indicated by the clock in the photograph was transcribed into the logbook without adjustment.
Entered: 4:51
